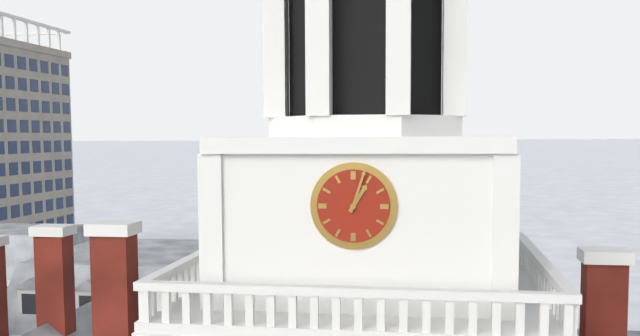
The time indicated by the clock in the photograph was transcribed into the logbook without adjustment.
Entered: 1:03
